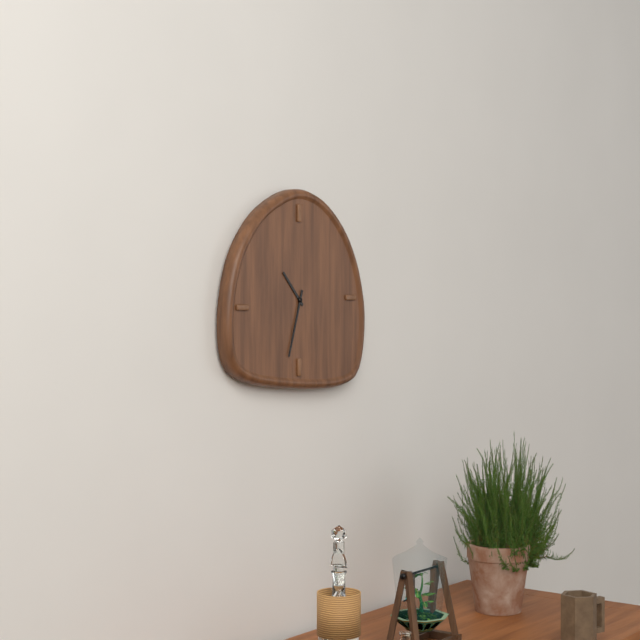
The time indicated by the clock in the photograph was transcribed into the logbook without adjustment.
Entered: 10:33
